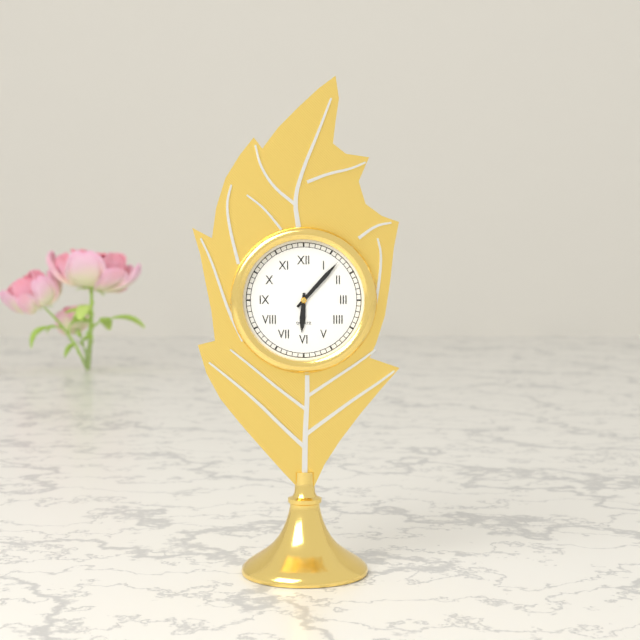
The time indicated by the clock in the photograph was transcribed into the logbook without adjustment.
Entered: 6:07
